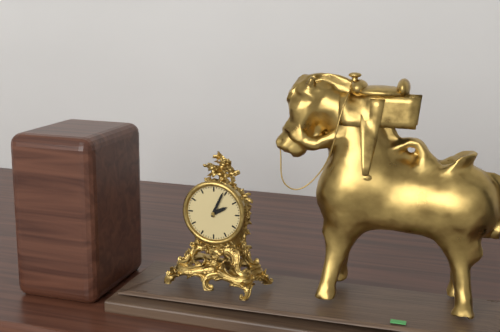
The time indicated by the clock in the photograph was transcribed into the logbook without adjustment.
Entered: 2:04
